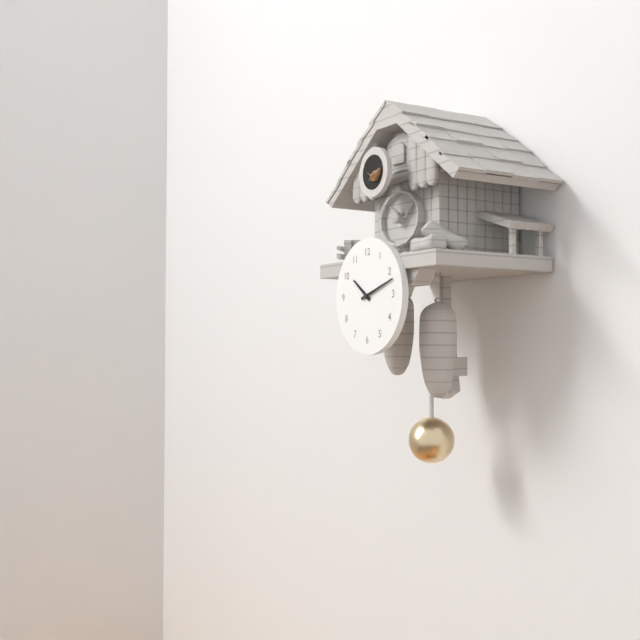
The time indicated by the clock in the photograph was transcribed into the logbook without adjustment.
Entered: 10:12
